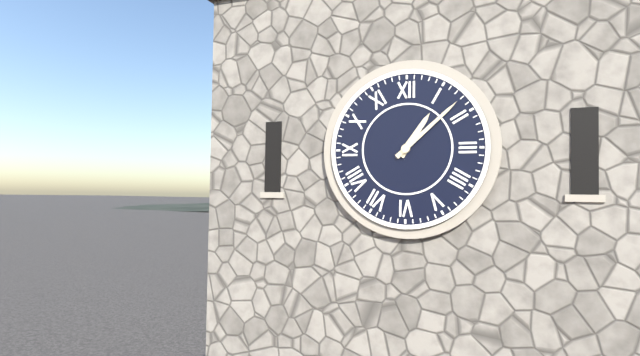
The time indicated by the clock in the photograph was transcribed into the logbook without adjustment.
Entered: 1:08
